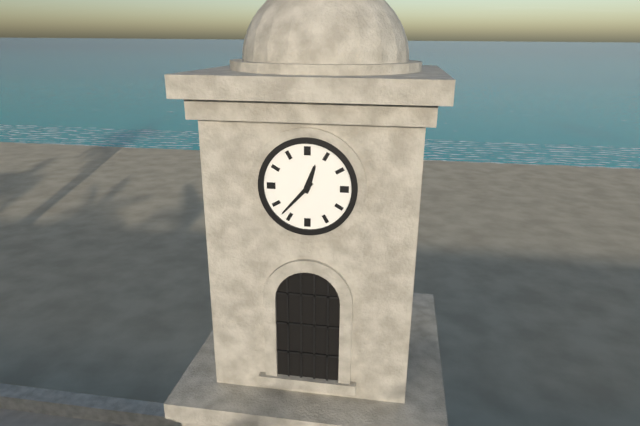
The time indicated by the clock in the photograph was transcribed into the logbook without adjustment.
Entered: 12:37
